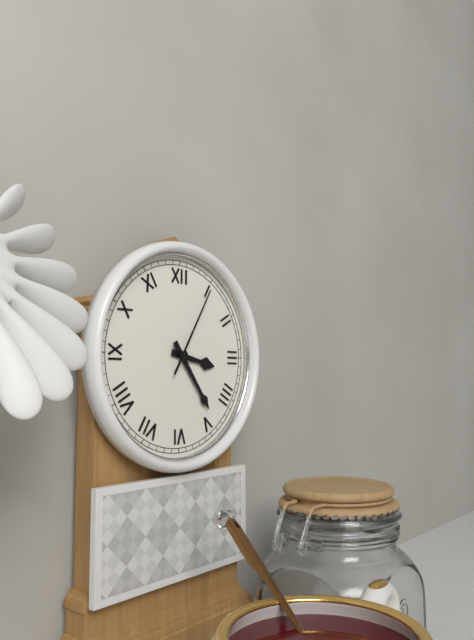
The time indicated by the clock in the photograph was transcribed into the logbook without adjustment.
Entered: 3:24:05
